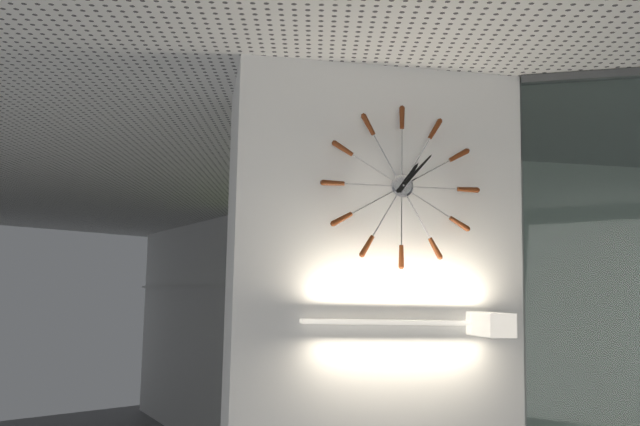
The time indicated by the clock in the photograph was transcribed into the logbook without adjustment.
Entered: 1:07
